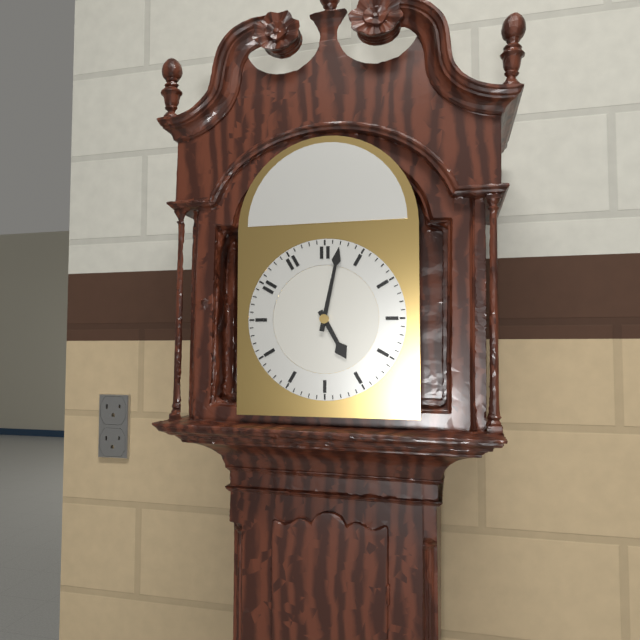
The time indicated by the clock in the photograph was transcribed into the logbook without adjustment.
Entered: 5:02
